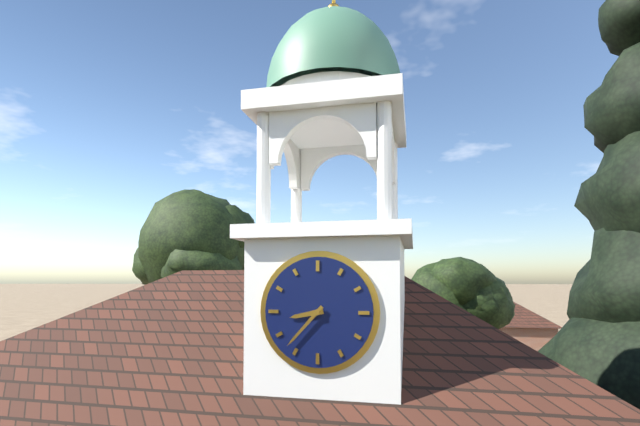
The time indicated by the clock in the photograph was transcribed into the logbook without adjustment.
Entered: 8:37
